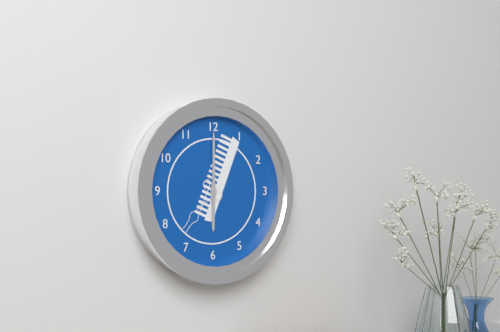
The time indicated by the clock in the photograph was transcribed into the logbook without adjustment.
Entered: 6:00
